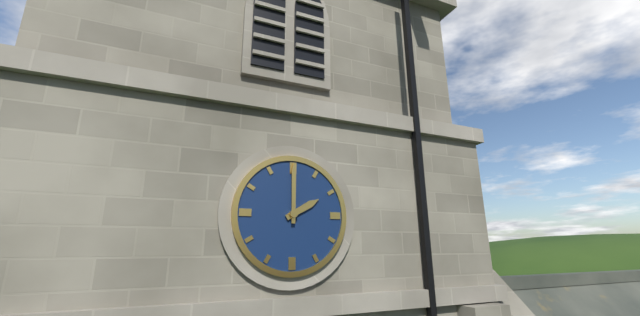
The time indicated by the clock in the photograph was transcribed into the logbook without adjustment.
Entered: 2:00
